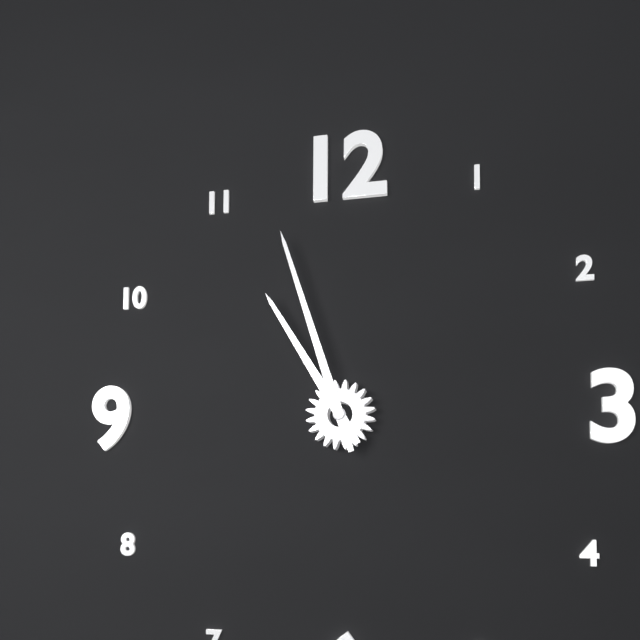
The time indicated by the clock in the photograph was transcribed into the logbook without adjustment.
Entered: 10:57
